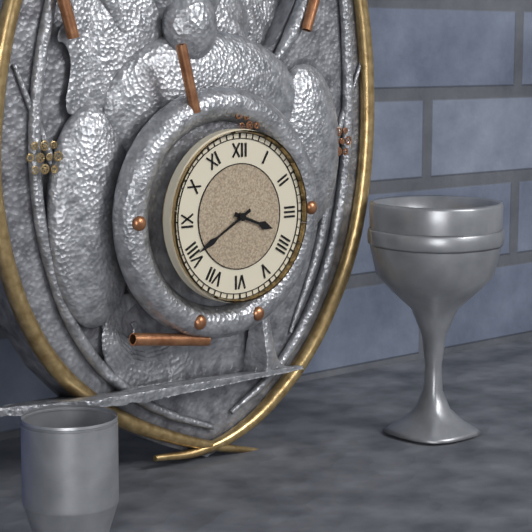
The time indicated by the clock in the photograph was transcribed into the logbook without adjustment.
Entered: 3:40
